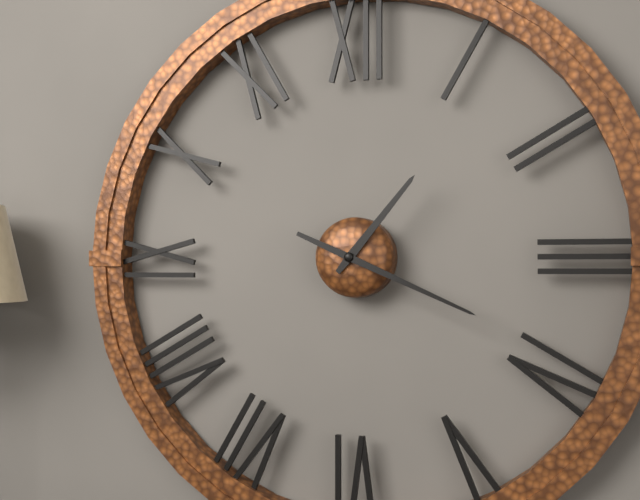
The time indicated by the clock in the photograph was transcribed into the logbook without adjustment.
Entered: 1:19
